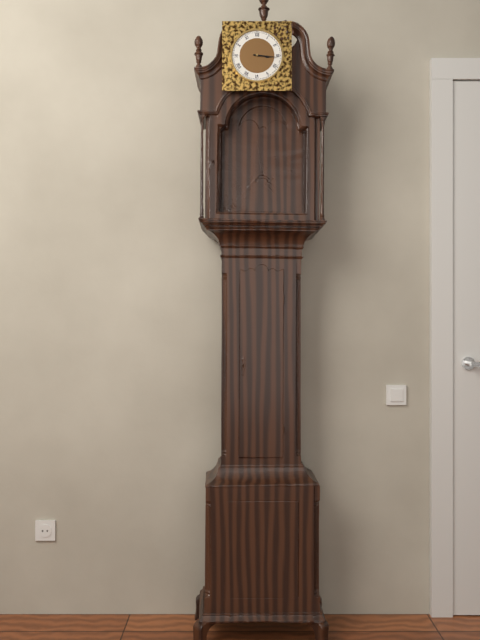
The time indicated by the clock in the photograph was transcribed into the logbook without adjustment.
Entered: 3:16
